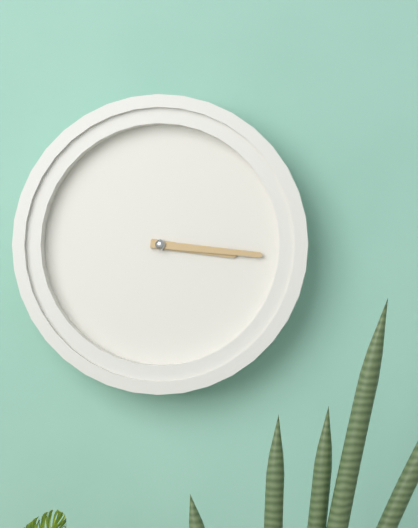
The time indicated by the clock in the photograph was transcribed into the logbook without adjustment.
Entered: 3:16
